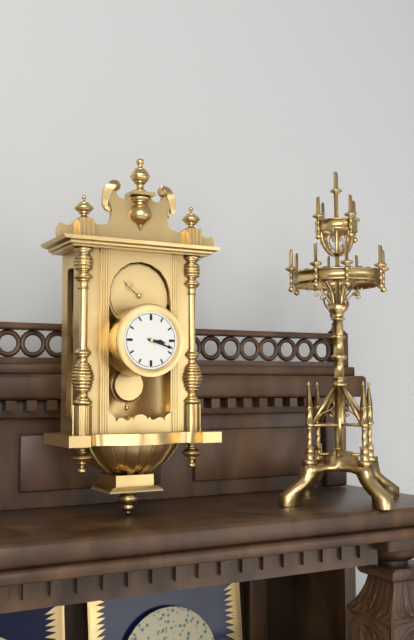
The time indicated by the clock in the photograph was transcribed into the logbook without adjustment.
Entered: 3:18
